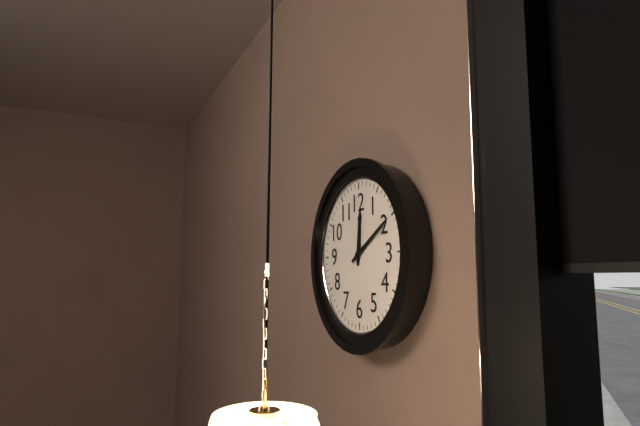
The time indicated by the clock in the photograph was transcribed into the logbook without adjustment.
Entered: 12:10
